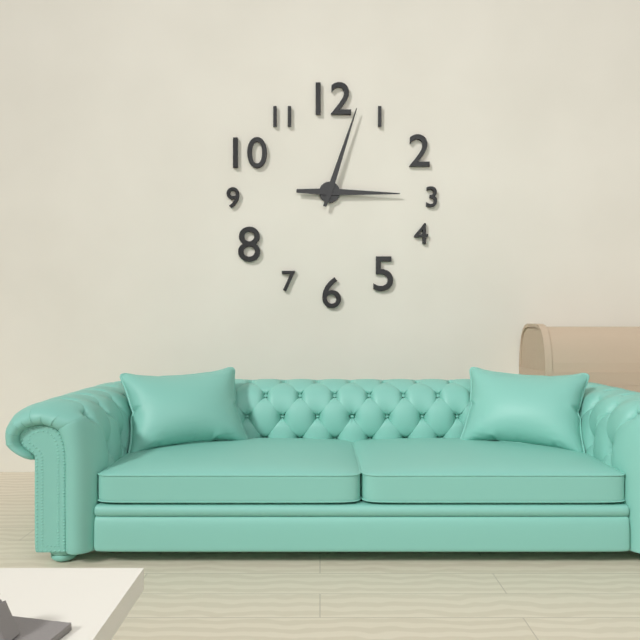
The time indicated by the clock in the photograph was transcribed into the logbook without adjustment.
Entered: 3:03
